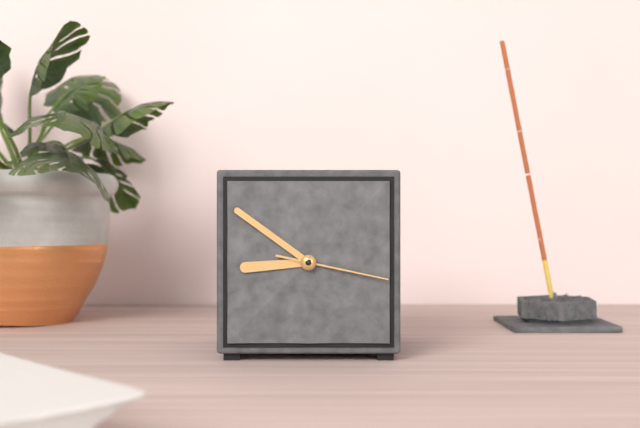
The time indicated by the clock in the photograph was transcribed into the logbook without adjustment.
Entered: 8:51:17
